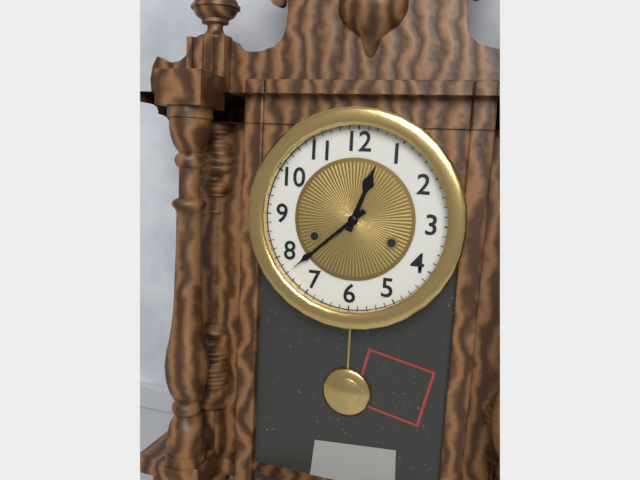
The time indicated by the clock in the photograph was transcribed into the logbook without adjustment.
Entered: 12:38
